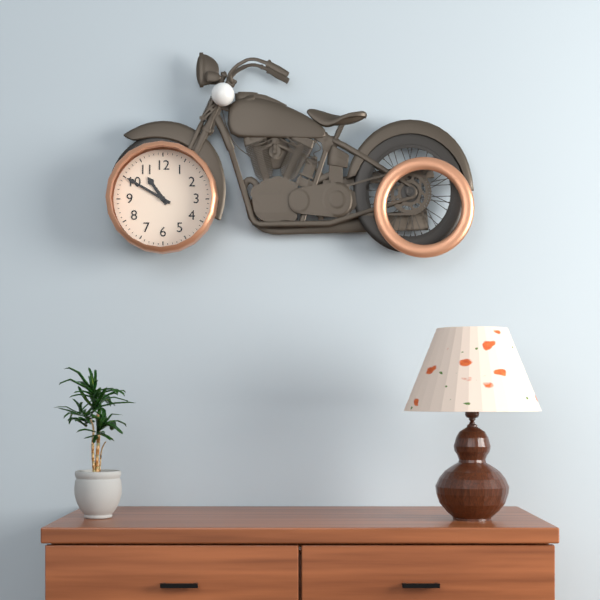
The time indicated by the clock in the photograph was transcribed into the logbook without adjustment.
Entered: 10:50
